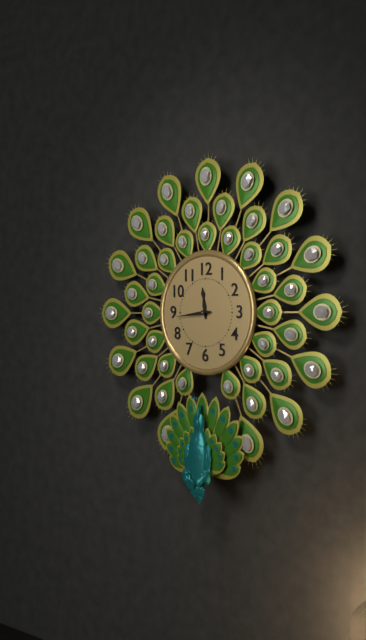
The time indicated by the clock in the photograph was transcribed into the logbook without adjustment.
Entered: 11:44
